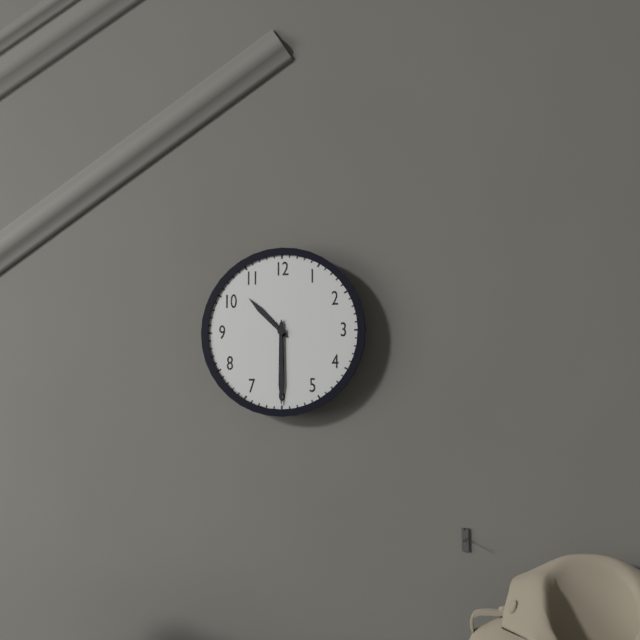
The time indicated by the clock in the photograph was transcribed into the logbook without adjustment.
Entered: 10:30
